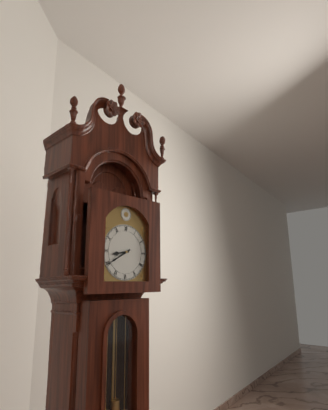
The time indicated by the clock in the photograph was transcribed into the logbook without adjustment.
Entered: 8:40
